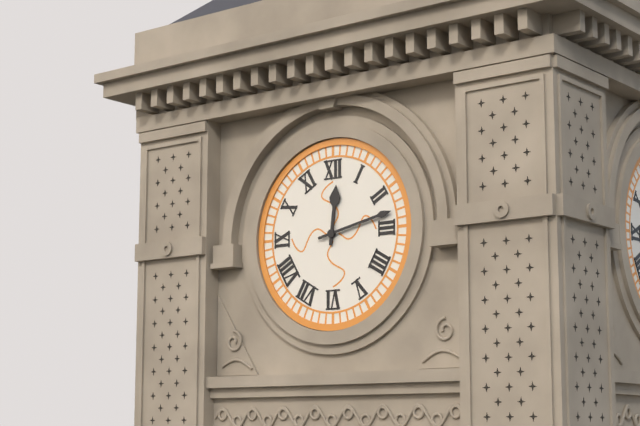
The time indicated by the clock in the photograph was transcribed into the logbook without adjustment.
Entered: 12:13
